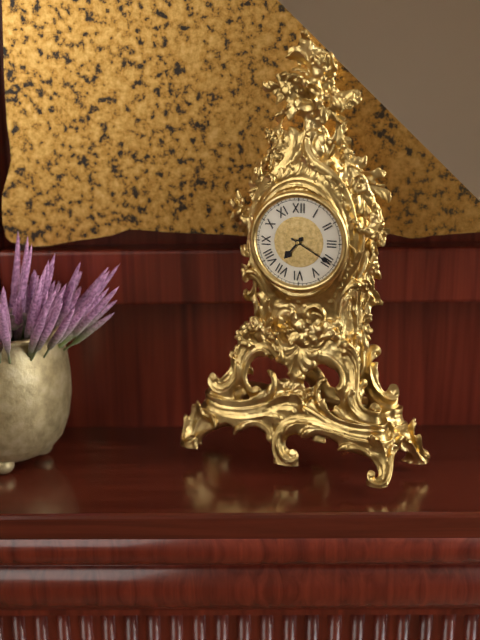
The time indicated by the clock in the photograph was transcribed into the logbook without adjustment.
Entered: 7:20
